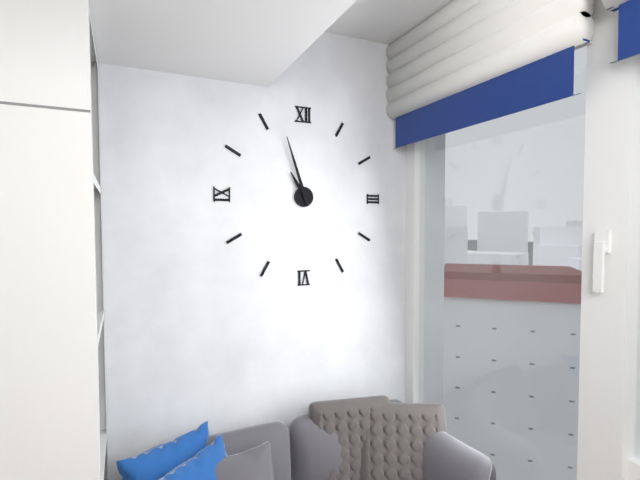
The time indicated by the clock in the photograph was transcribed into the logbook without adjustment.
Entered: 10:57
